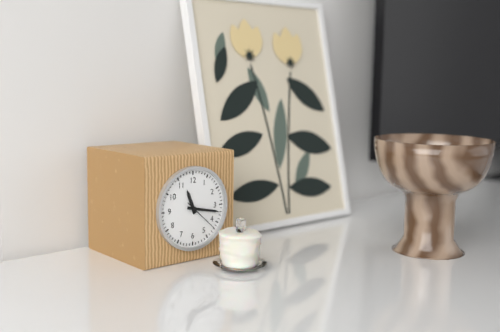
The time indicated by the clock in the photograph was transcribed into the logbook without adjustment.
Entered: 11:17
